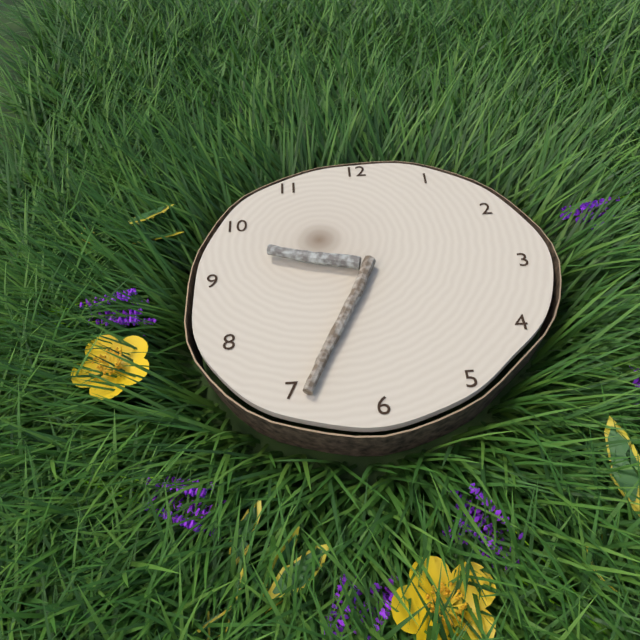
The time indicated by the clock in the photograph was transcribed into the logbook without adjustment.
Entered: 9:34
